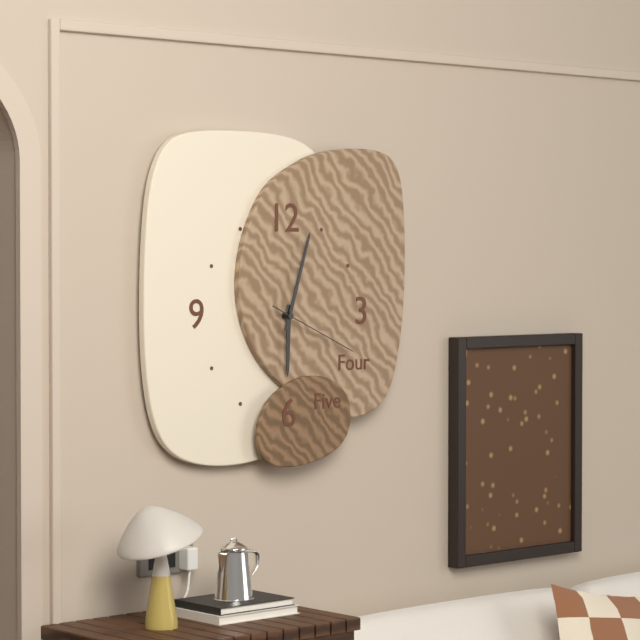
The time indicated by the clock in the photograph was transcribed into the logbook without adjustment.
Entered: 6:03:19
